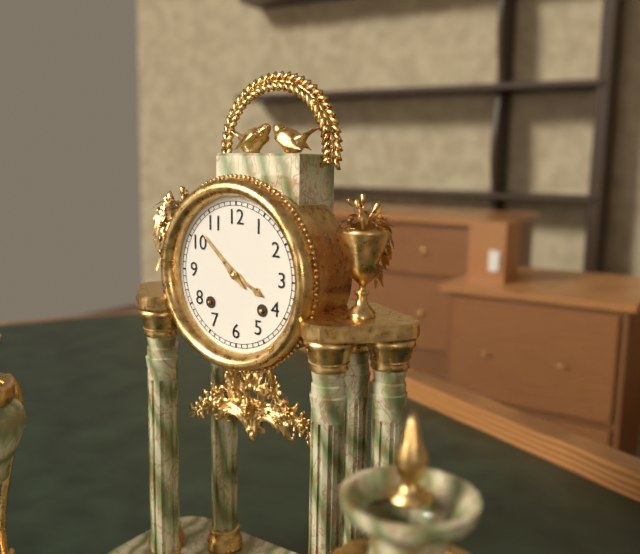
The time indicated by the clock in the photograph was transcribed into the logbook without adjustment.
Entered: 3:52
